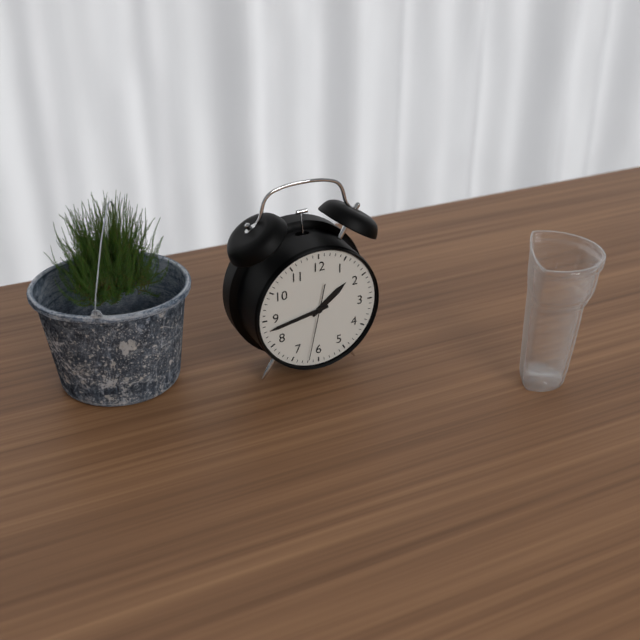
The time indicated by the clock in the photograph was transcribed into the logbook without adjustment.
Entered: 1:43:32
